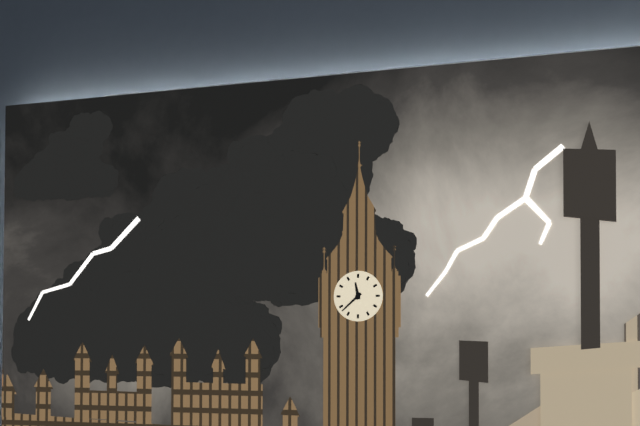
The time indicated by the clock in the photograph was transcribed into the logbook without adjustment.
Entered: 11:38
